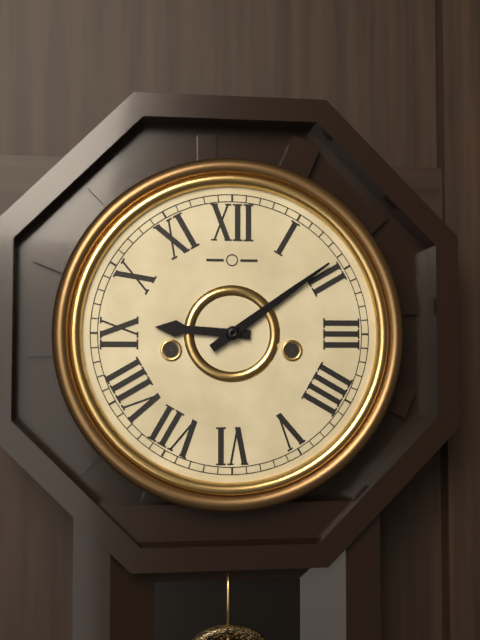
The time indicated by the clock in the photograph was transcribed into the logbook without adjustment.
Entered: 9:09
